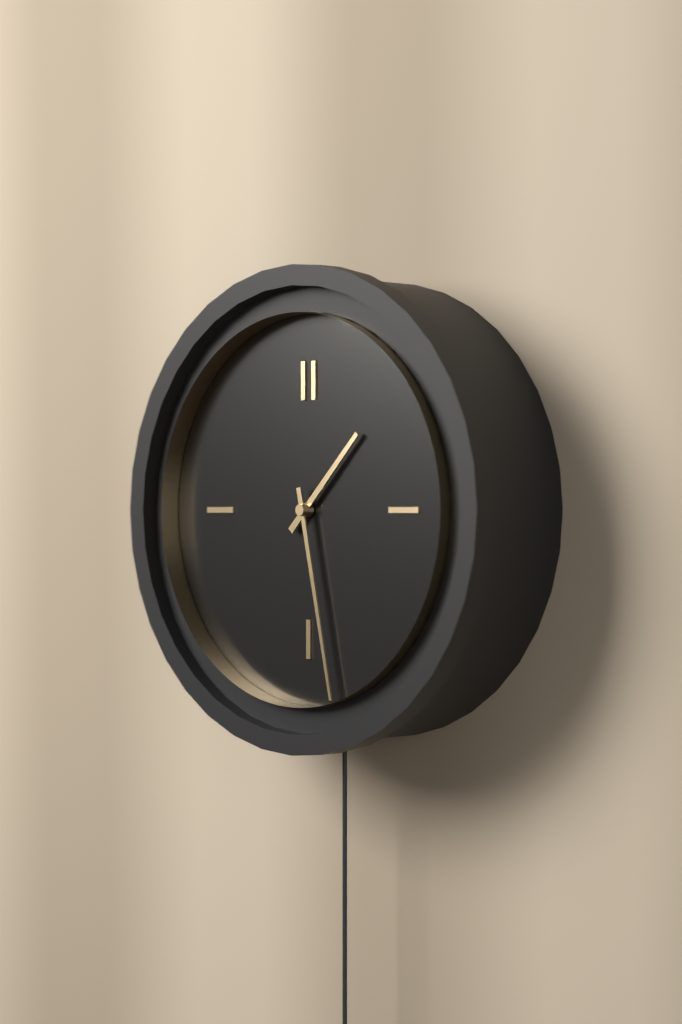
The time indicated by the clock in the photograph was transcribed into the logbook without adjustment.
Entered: 1:28
